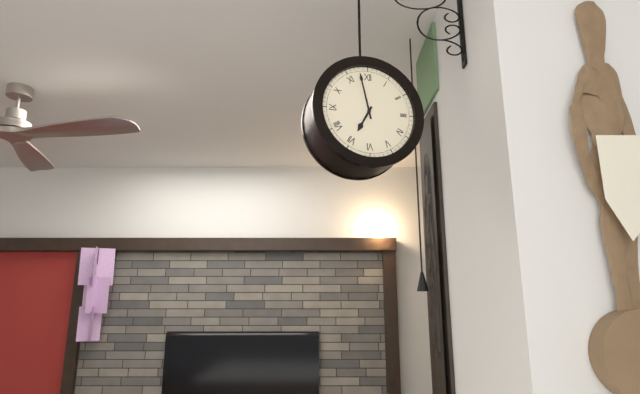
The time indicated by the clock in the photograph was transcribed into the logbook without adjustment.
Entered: 6:58
